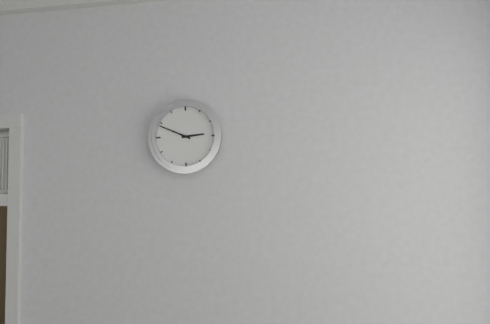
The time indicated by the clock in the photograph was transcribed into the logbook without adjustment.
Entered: 2:49
